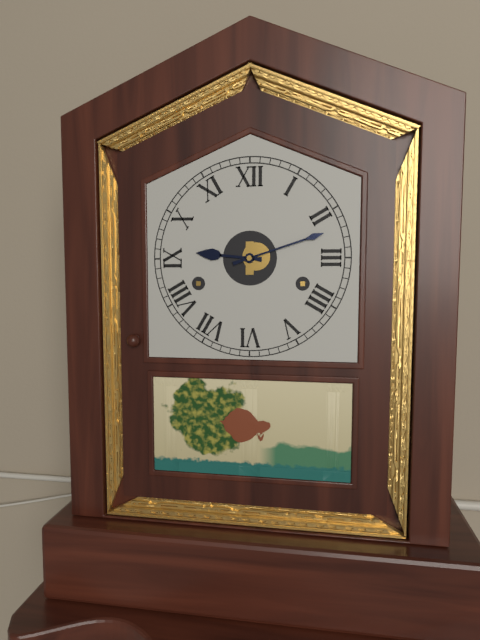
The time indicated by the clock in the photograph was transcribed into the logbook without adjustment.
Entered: 9:12
